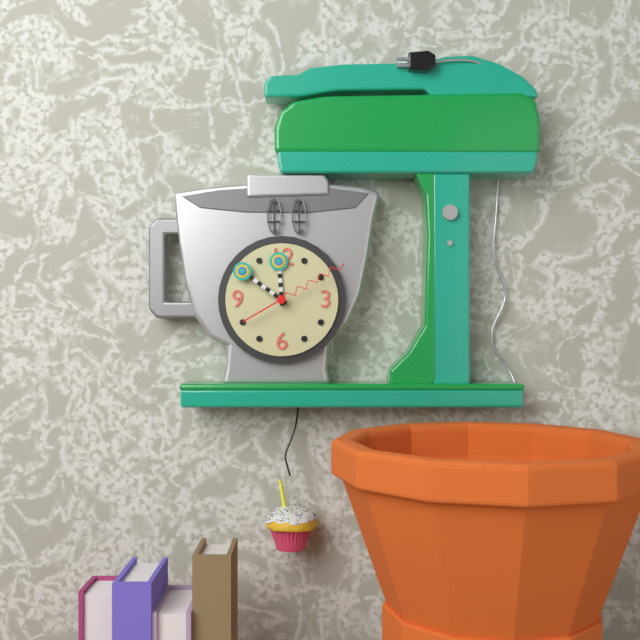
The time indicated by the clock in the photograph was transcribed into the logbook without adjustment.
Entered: 11:51:10
